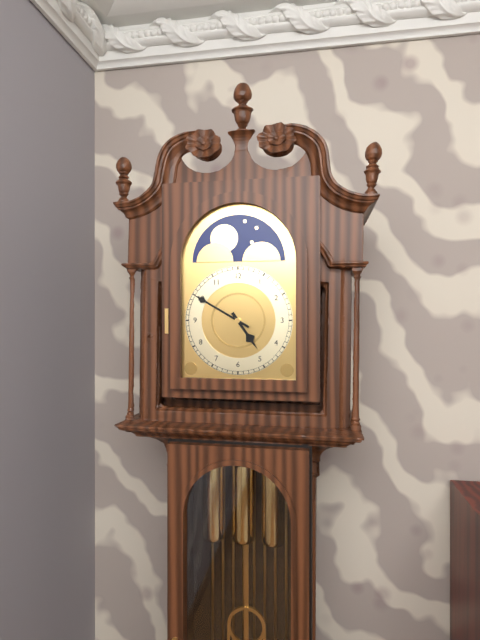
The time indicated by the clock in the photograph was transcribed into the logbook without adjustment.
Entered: 4:50
